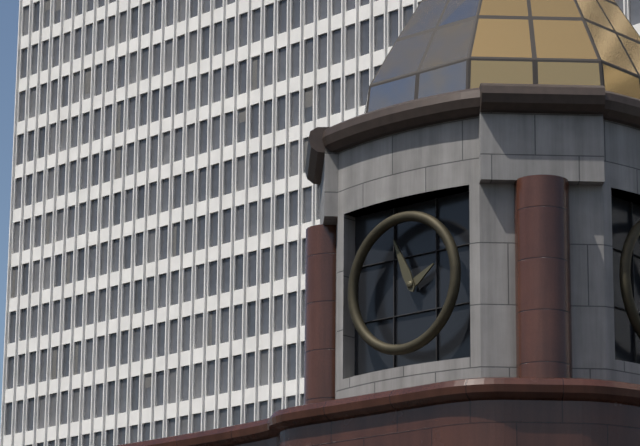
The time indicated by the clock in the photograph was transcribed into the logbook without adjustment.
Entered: 1:56
